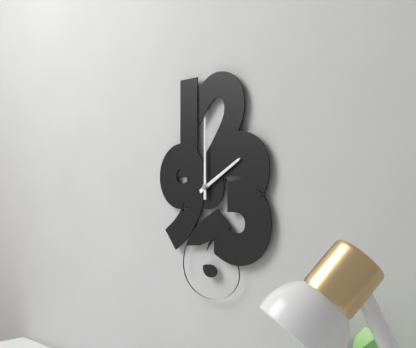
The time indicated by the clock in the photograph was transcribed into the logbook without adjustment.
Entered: 2:00
